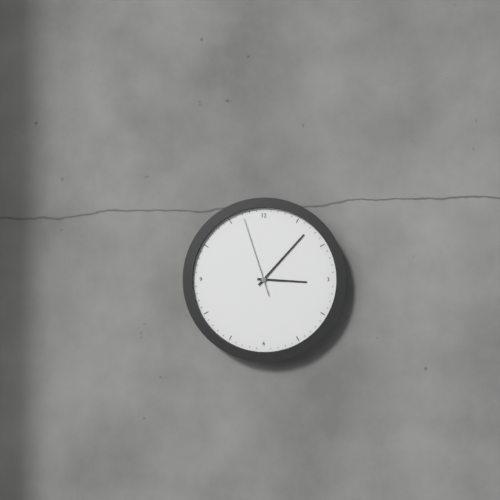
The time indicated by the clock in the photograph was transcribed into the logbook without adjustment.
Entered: 3:07:57
